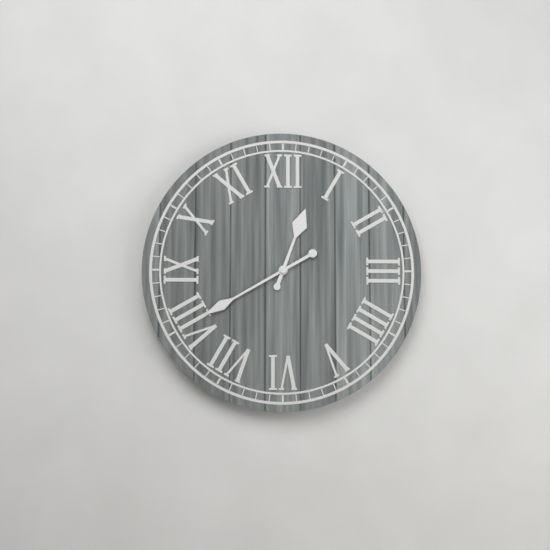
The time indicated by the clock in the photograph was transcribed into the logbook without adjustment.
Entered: 12:40
